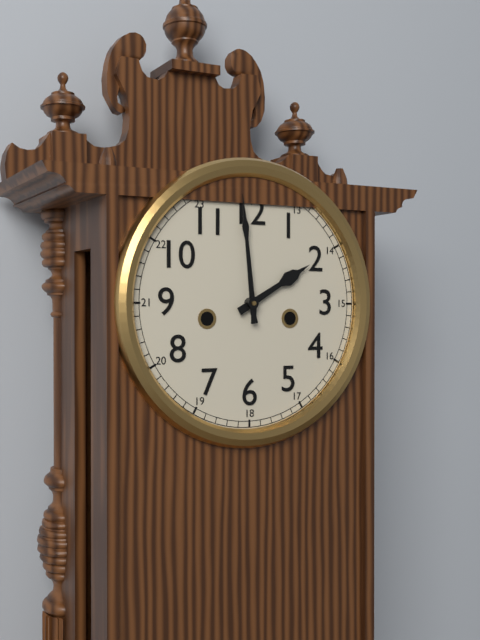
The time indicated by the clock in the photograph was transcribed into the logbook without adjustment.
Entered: 1:59
